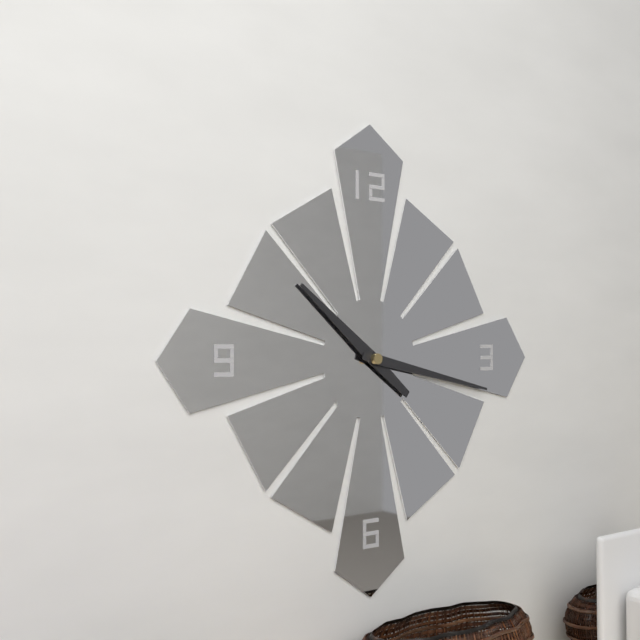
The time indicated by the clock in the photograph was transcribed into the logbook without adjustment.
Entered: 10:17
